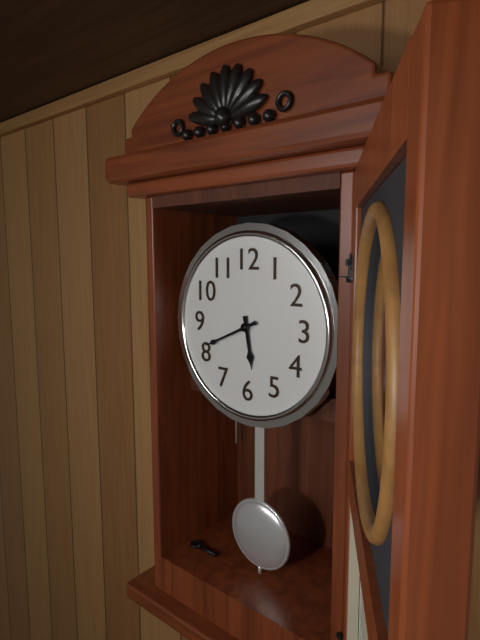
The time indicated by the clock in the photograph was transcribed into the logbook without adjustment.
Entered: 5:41
